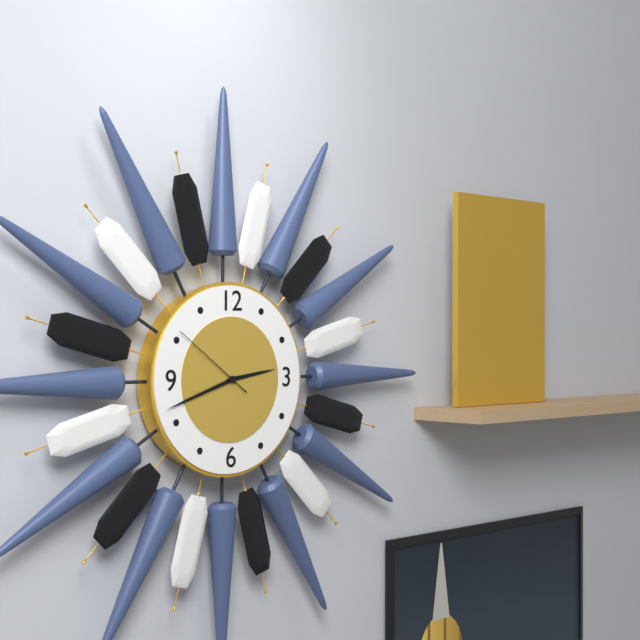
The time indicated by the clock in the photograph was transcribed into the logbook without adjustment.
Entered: 2:42:51
